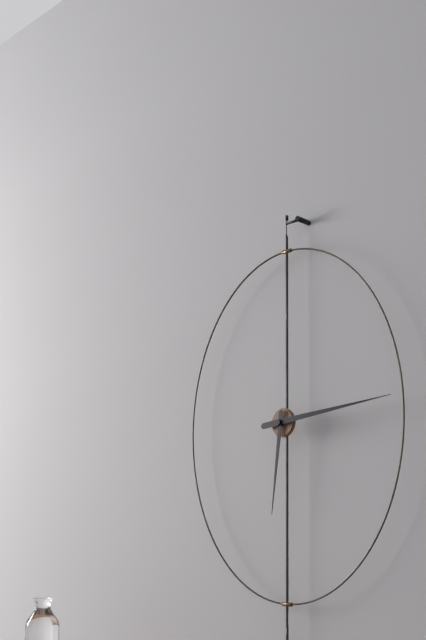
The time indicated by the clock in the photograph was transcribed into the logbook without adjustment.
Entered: 6:14
